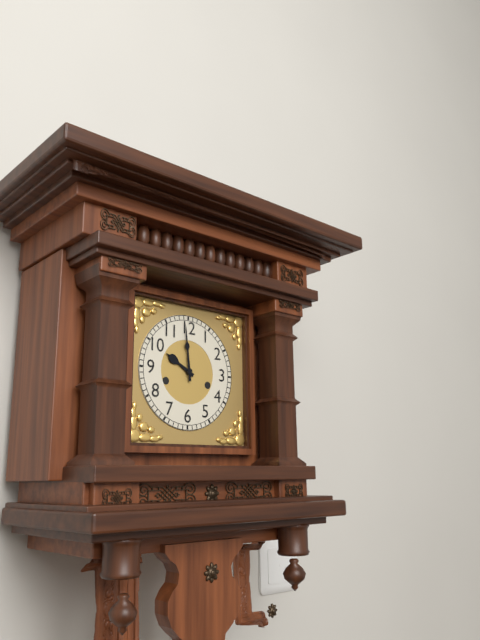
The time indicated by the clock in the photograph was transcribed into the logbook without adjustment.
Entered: 9:59
